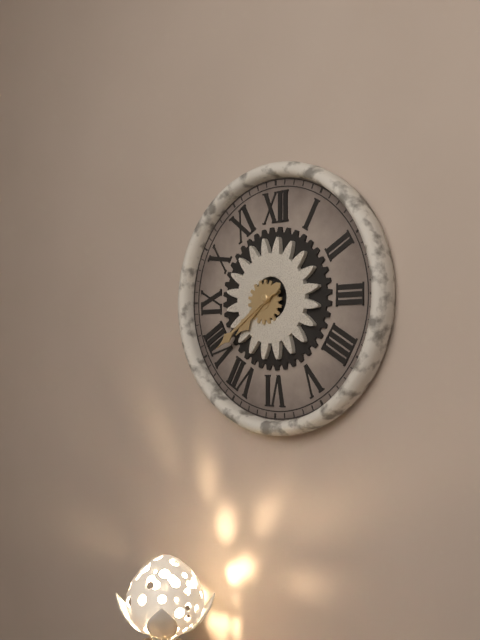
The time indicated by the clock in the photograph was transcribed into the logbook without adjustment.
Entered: 7:39
